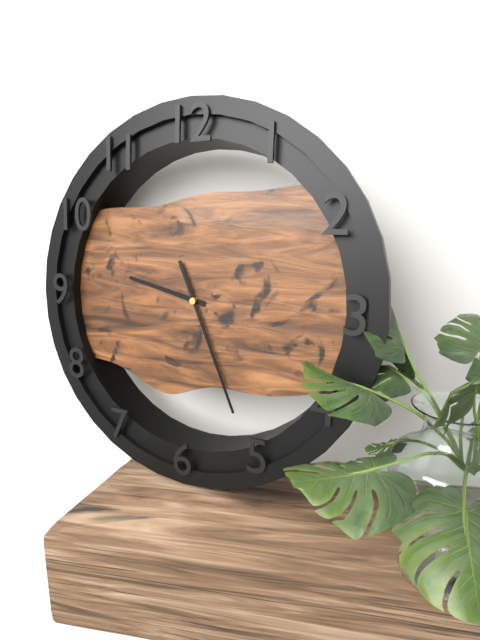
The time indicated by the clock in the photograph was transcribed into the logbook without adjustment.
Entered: 9:26
